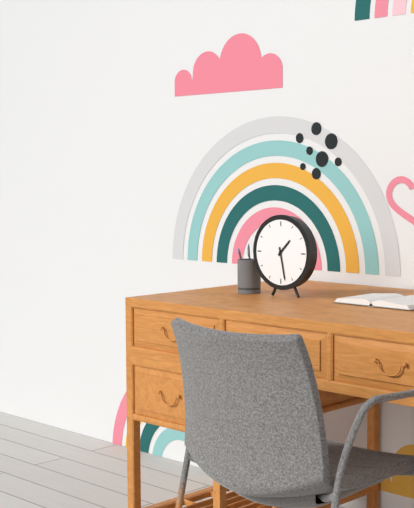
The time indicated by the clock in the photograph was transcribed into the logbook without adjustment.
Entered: 1:28
